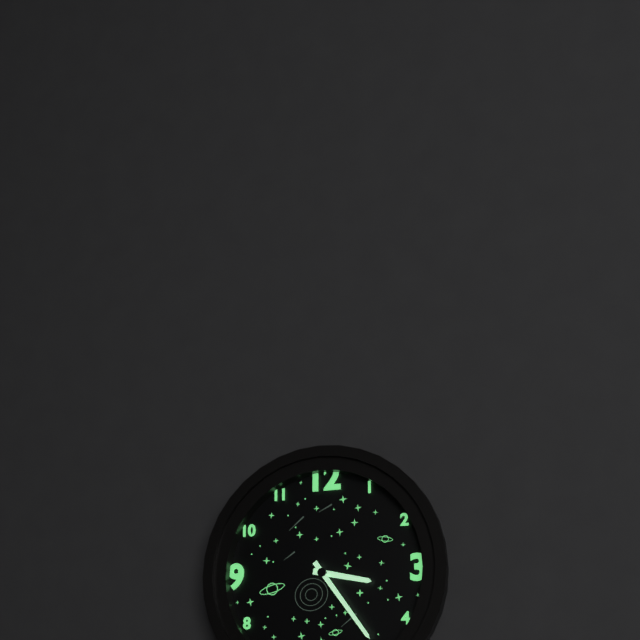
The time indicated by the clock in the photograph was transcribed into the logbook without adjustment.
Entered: 3:24
